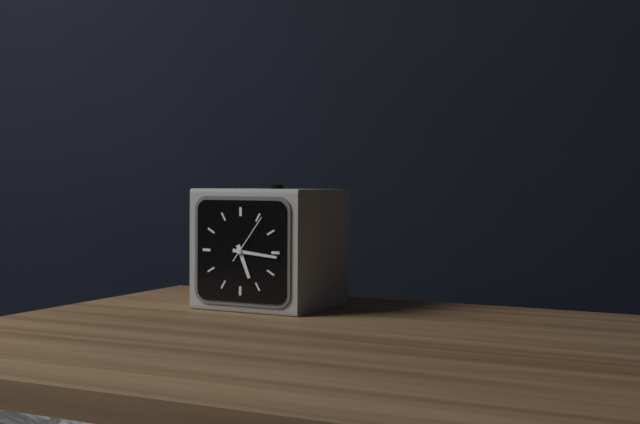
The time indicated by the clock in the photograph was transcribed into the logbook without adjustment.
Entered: 5:16:06
